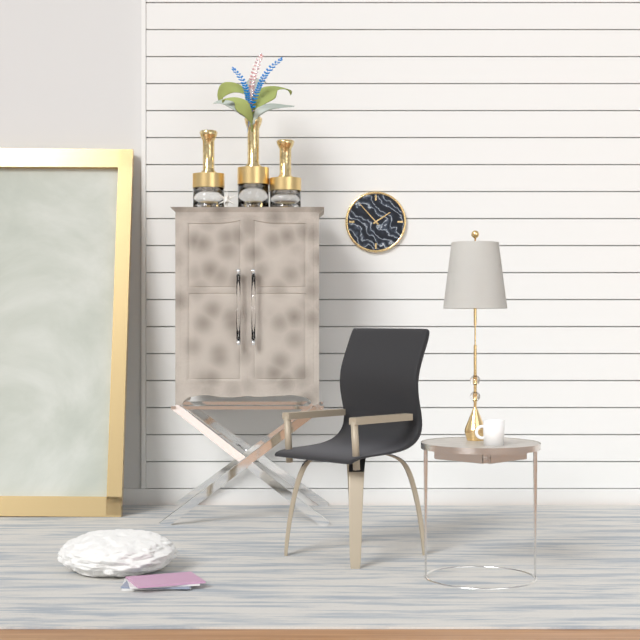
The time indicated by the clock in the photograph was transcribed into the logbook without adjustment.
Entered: 1:53
